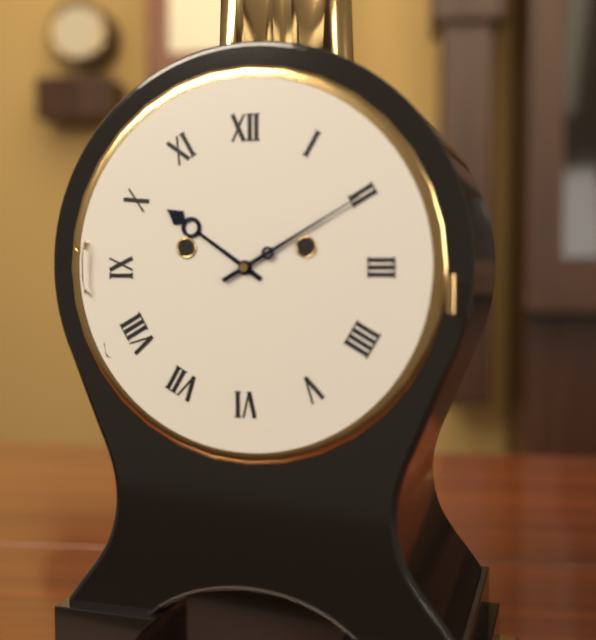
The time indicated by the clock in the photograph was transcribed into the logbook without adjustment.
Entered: 10:10
